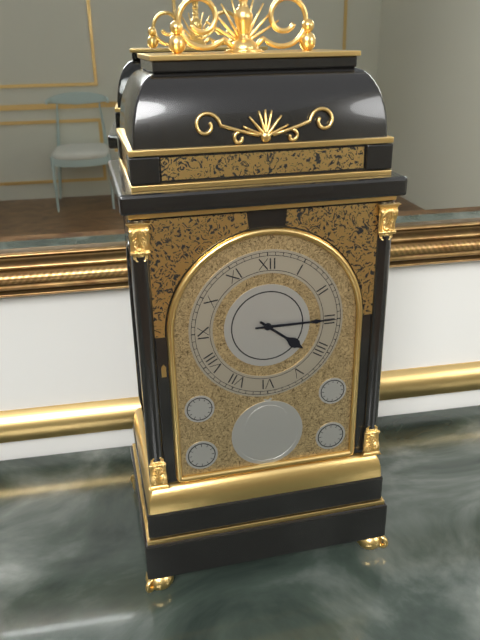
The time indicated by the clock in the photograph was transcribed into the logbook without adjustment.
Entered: 4:15
